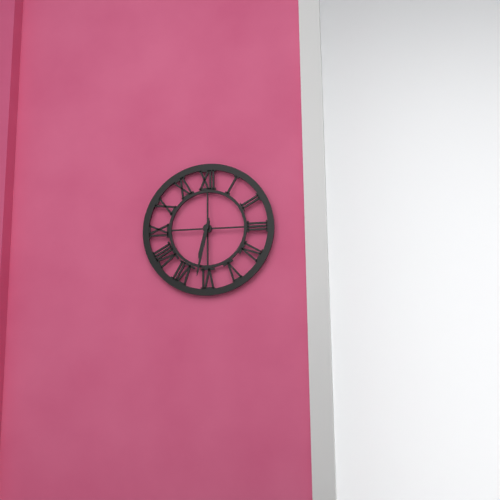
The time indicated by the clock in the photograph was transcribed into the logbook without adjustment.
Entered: 6:32
